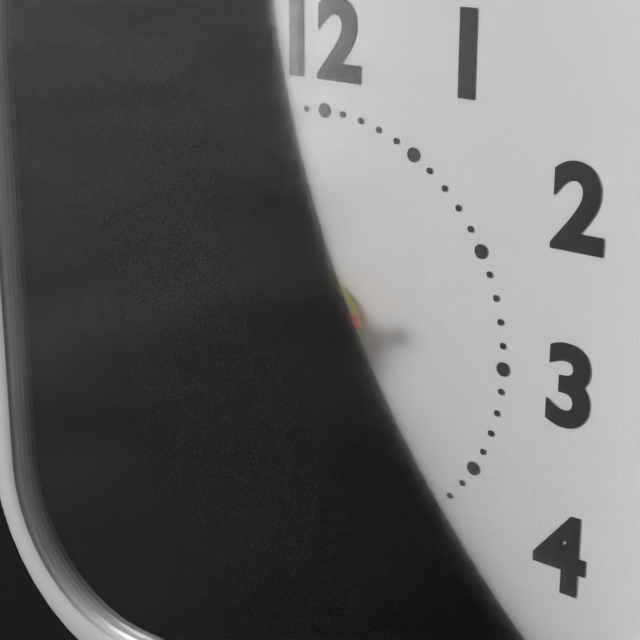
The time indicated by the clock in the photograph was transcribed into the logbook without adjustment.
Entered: 7:42:42
